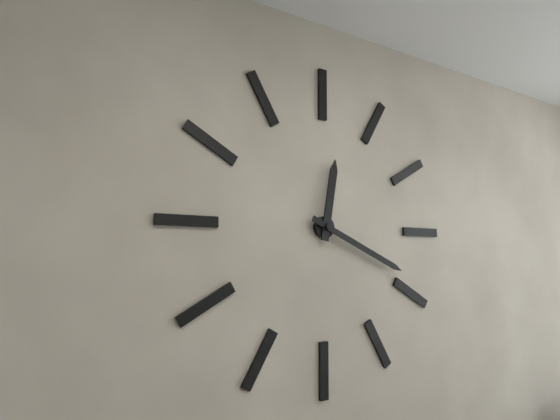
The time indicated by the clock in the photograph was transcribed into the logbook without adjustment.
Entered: 12:19
